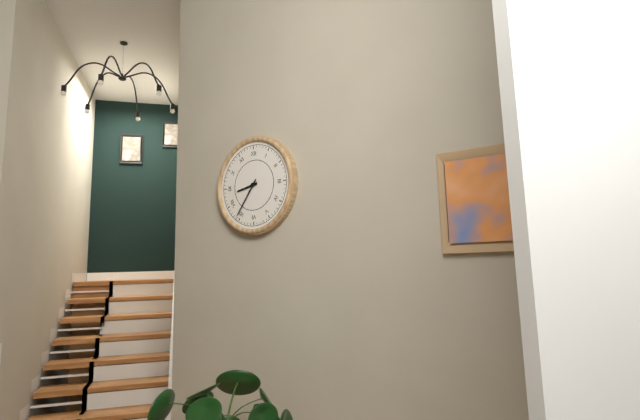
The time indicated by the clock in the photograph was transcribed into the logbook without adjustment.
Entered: 8:36
